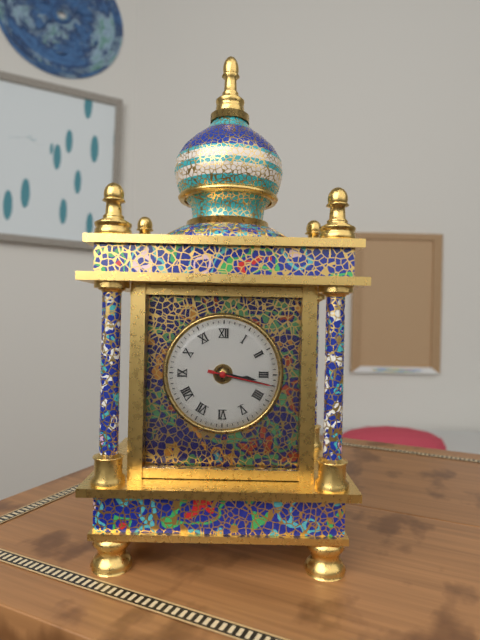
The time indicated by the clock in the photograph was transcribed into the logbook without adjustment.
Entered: 3:17:17
